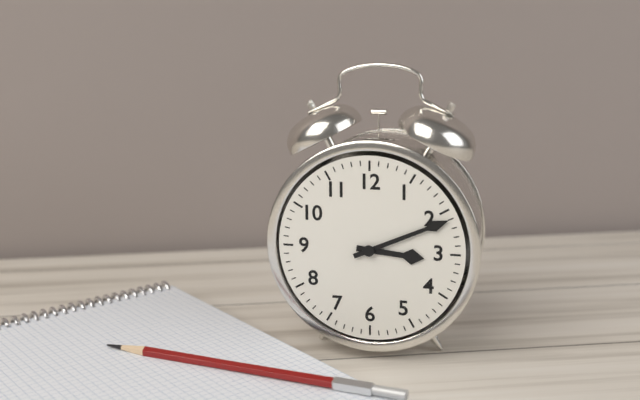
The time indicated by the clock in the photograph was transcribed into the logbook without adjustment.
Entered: 3:11
